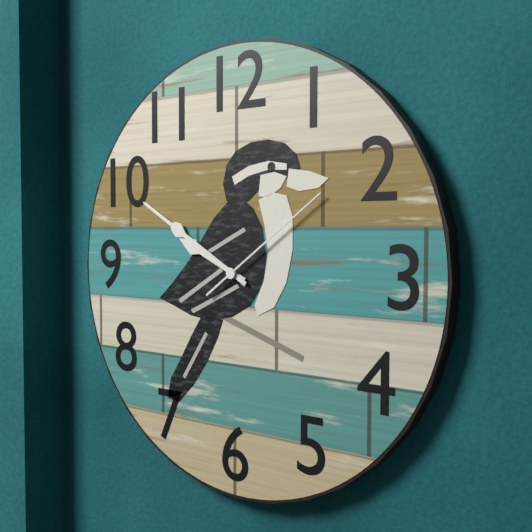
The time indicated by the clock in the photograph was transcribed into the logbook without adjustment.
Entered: 9:50:09
